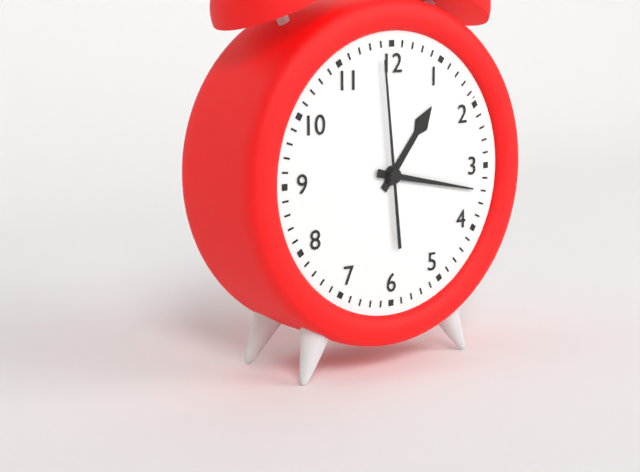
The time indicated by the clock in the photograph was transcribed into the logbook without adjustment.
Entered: 1:17:59
